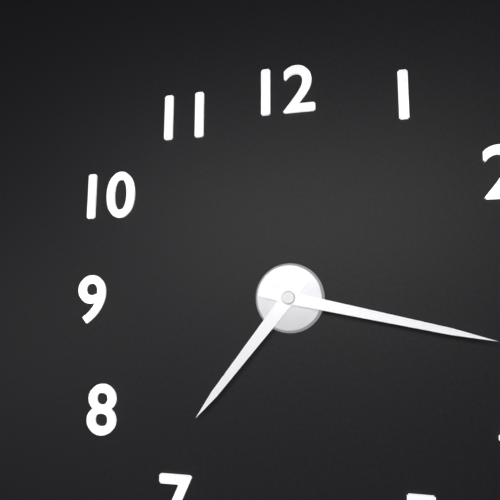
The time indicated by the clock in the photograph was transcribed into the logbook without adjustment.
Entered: 7:17
